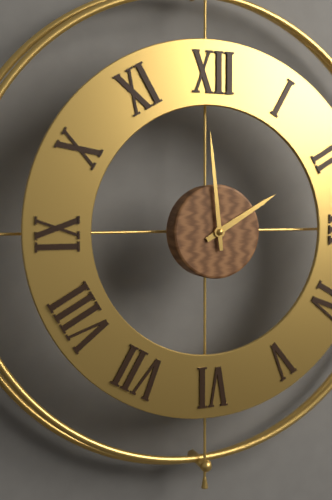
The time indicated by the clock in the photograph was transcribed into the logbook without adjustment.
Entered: 1:59
